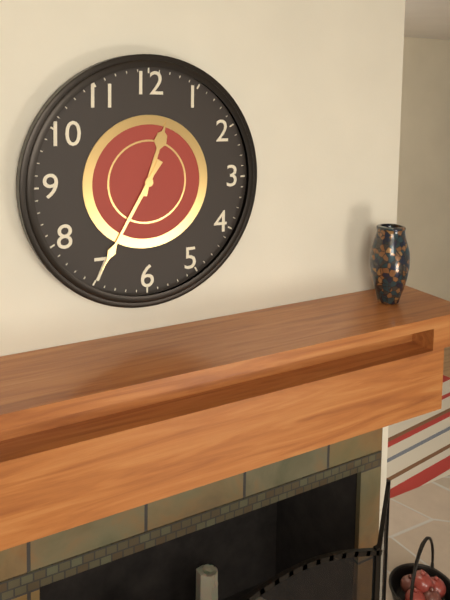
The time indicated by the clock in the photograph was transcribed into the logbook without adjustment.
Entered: 12:35
